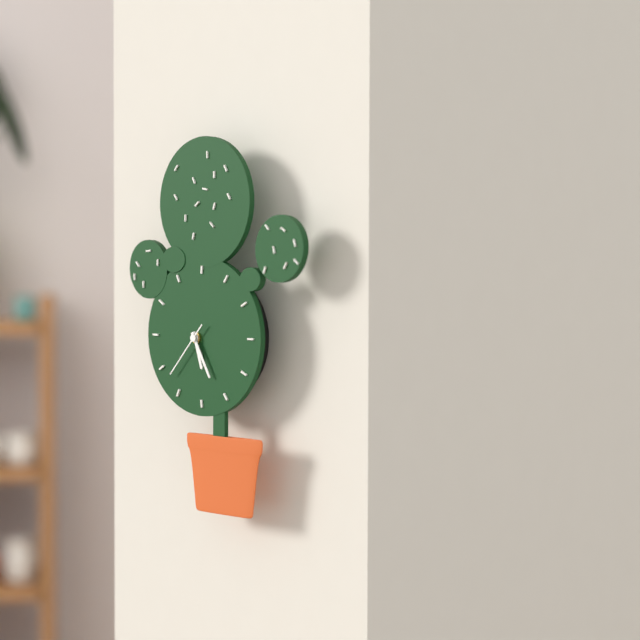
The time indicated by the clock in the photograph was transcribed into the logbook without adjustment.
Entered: 5:25:37
